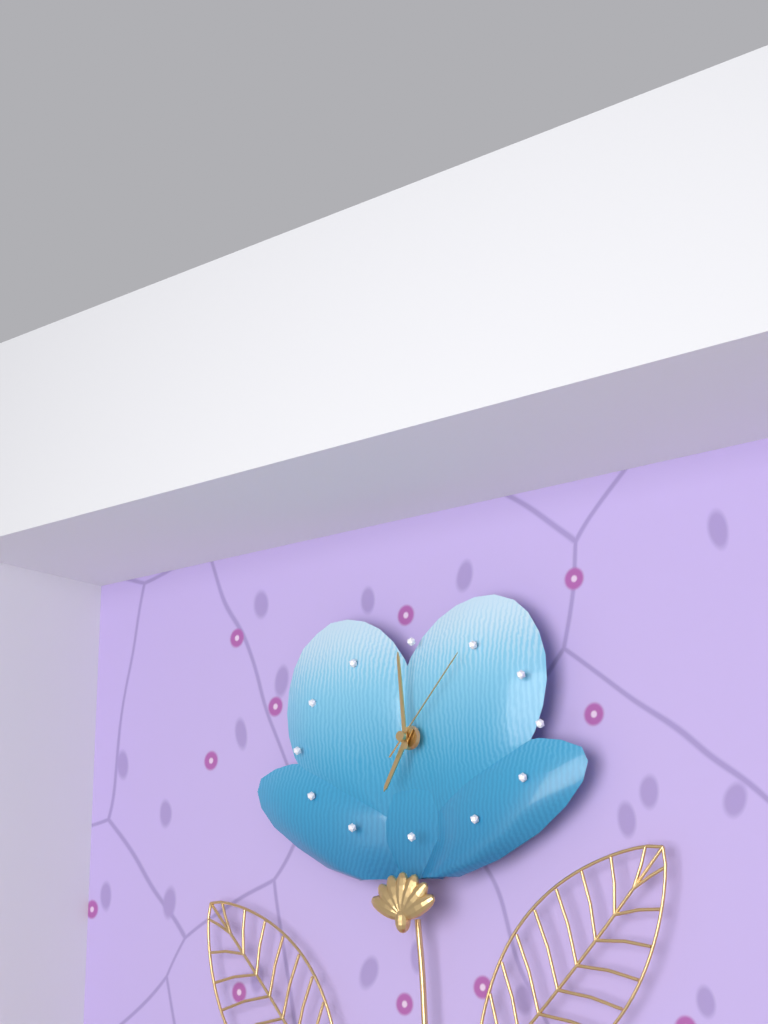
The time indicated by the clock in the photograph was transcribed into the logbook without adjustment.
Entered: 6:59:07
